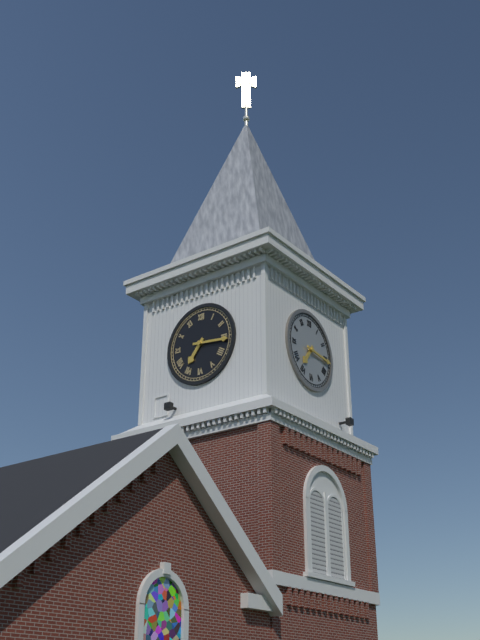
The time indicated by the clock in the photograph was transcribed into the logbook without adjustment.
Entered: 7:16
